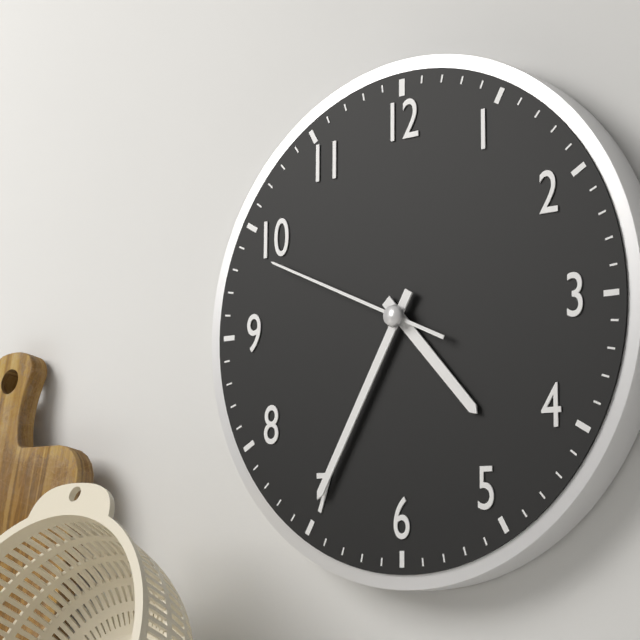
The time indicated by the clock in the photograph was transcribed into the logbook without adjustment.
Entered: 4:35:49
